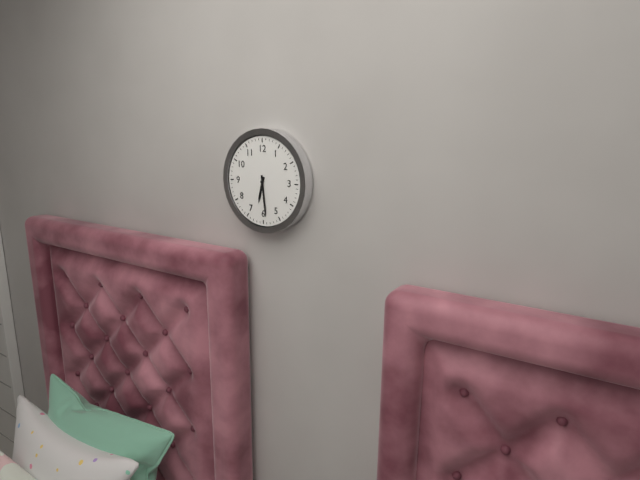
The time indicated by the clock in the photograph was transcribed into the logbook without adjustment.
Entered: 6:29
